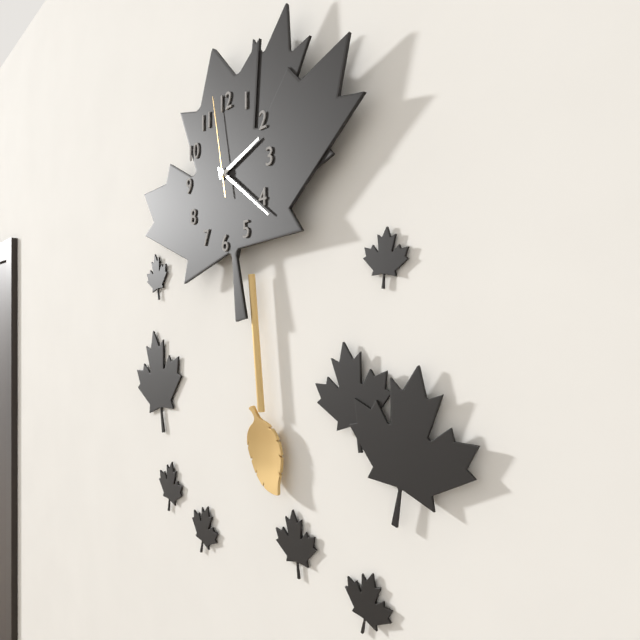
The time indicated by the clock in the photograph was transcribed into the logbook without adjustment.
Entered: 2:21:58
